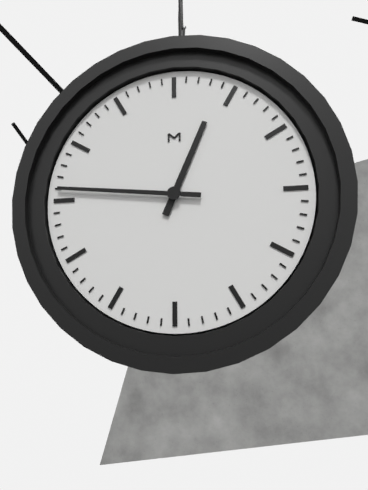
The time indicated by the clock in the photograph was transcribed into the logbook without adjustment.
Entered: 12:46
